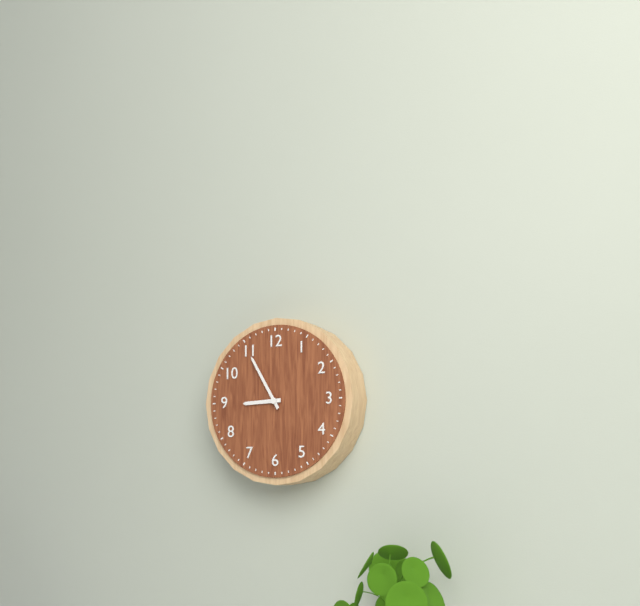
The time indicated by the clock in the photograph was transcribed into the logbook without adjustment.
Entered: 8:55
